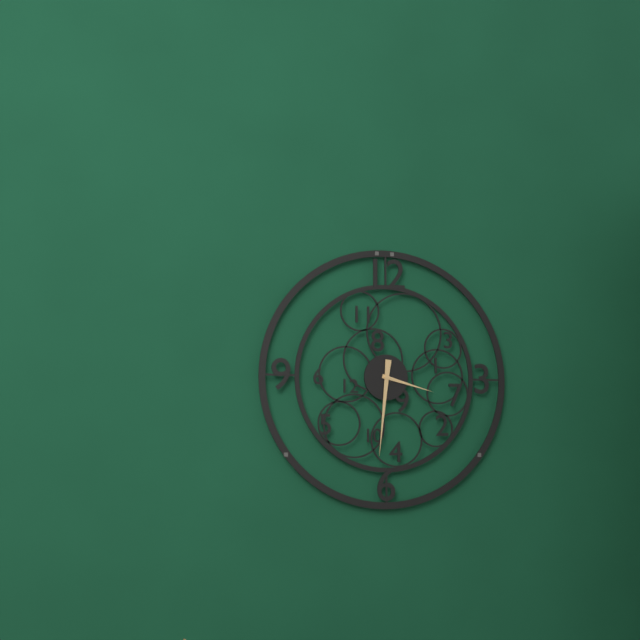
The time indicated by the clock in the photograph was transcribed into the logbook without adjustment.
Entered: 3:31
